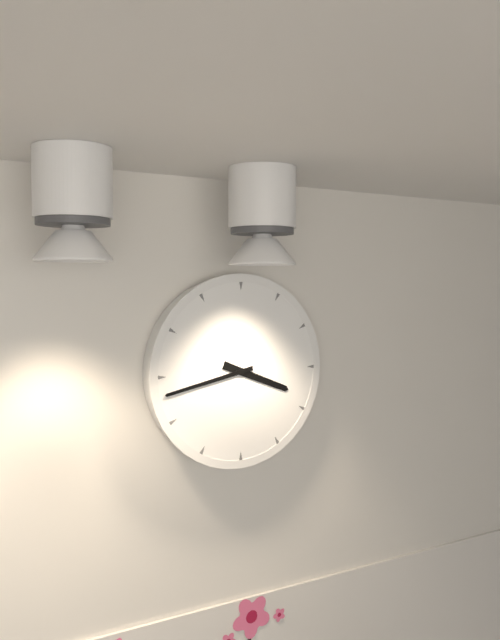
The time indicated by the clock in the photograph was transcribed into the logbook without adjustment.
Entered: 3:43
